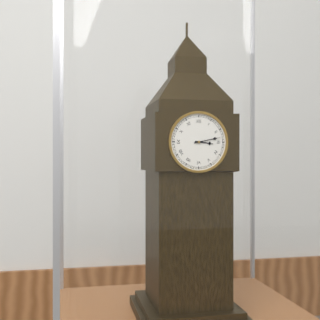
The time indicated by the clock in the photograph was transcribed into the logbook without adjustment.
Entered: 3:13
